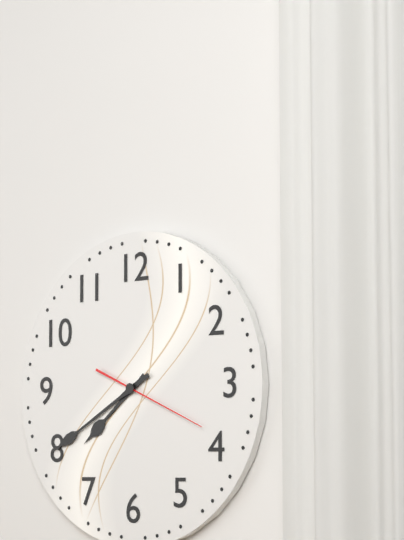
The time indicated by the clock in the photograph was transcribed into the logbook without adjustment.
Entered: 7:40:19
